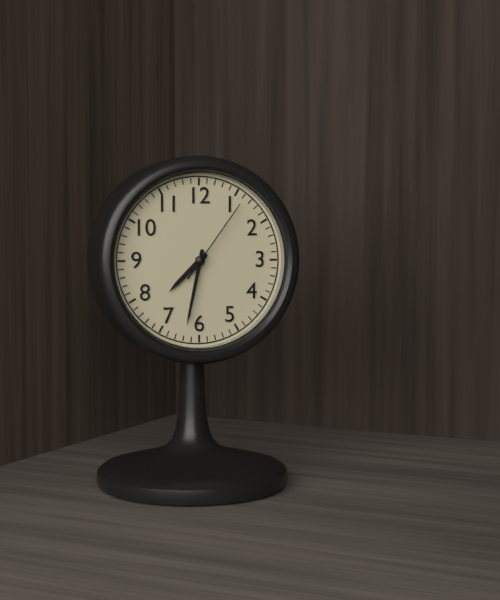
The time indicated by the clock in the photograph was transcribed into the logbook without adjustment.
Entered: 7:32:06
